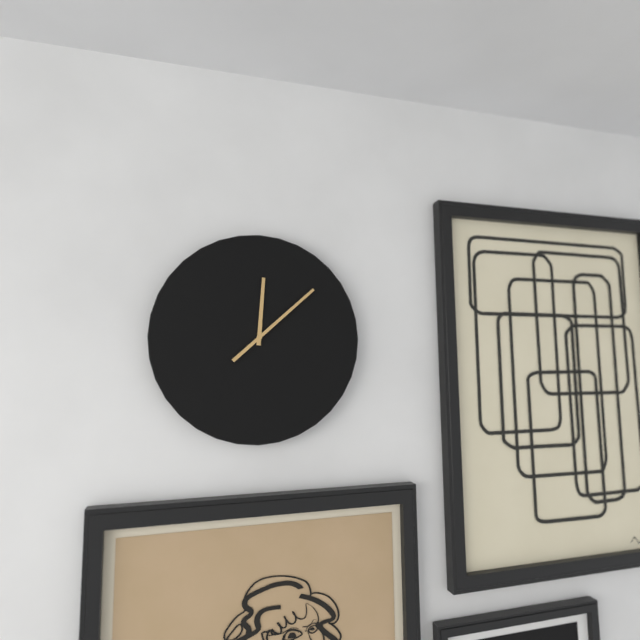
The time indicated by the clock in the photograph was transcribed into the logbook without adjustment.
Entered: 12:08
